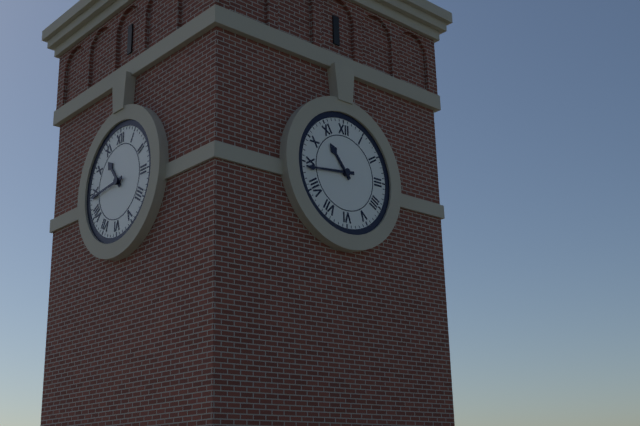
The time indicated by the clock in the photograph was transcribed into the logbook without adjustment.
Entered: 10:44
